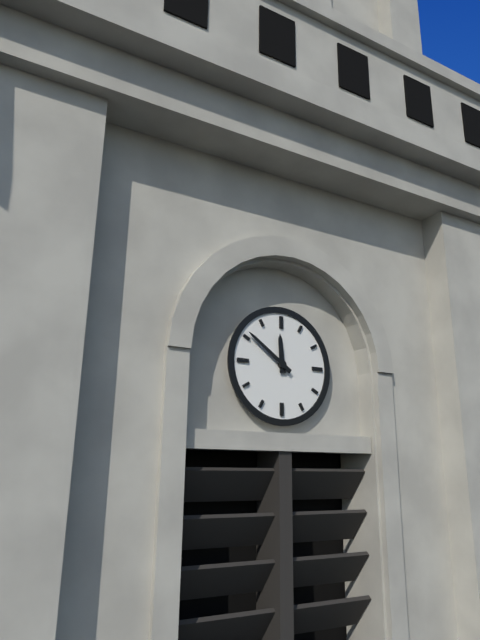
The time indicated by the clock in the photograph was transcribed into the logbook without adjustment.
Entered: 11:51
